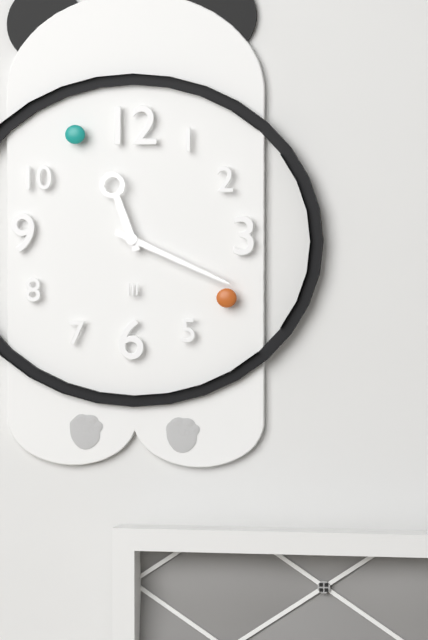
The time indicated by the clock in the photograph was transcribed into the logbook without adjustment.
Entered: 11:19
